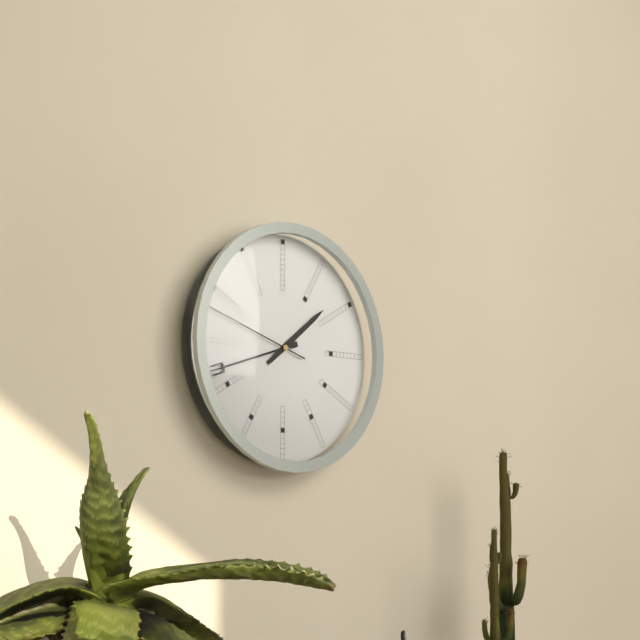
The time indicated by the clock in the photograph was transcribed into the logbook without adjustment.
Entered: 1:42:48
